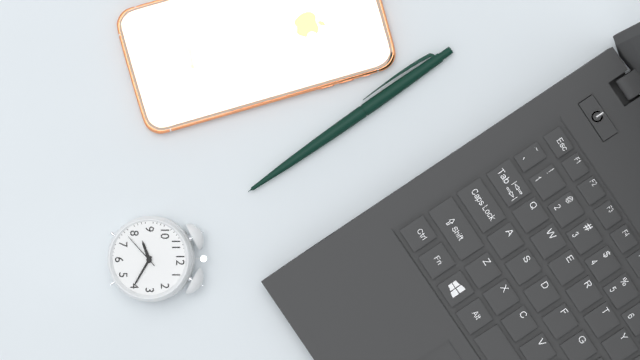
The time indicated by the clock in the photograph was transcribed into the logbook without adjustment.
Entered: 8:20
